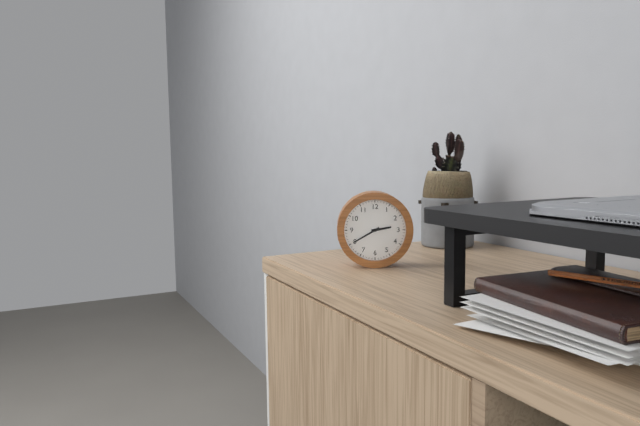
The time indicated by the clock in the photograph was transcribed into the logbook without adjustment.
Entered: 2:40
